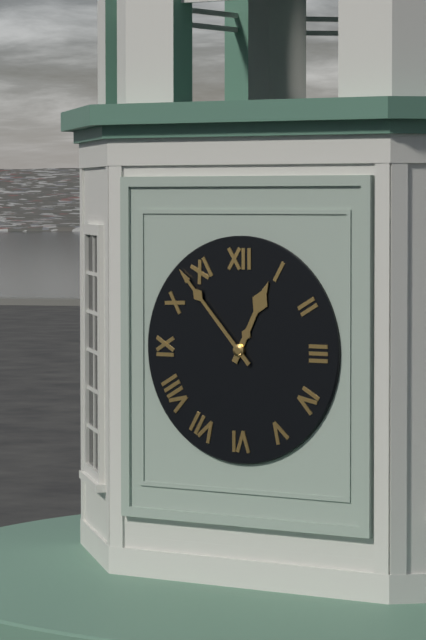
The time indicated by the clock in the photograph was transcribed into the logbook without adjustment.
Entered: 12:53
